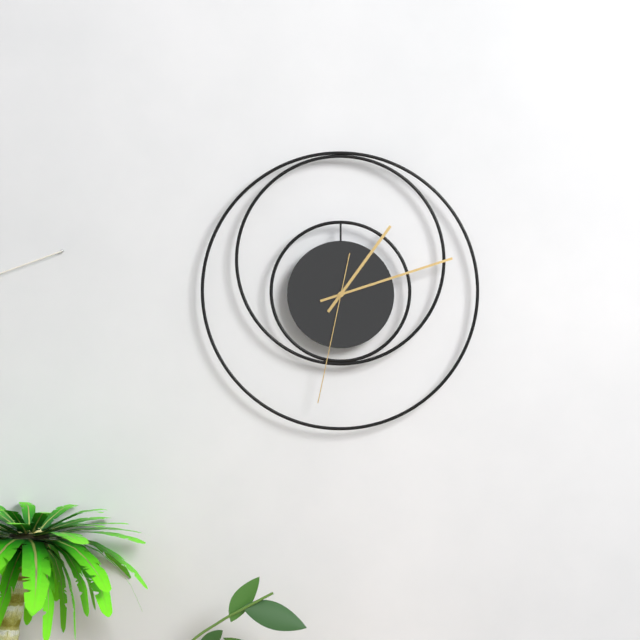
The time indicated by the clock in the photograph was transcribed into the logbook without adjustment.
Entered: 1:12:32
